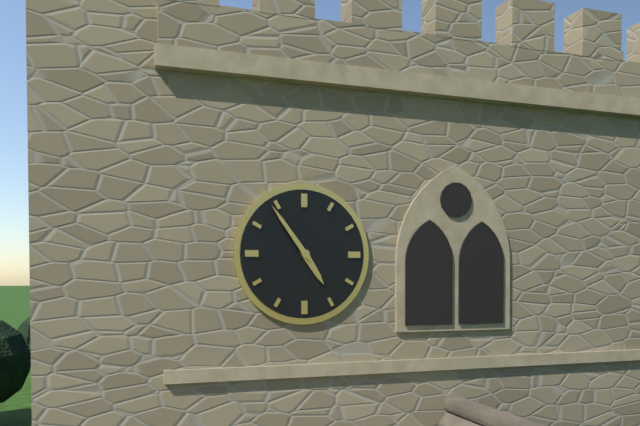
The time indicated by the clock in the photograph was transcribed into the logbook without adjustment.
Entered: 4:54
